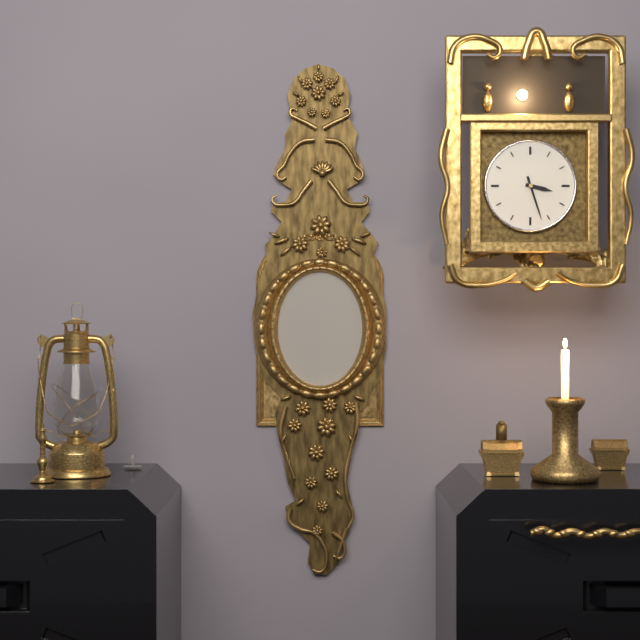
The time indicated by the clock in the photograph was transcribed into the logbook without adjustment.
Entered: 3:27
